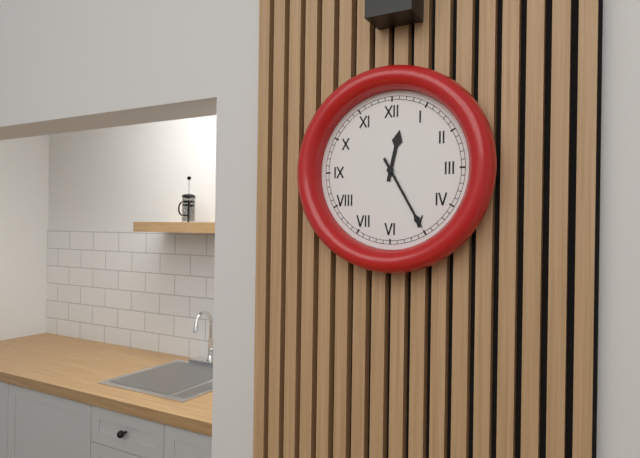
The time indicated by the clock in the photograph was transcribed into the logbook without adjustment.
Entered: 12:25
